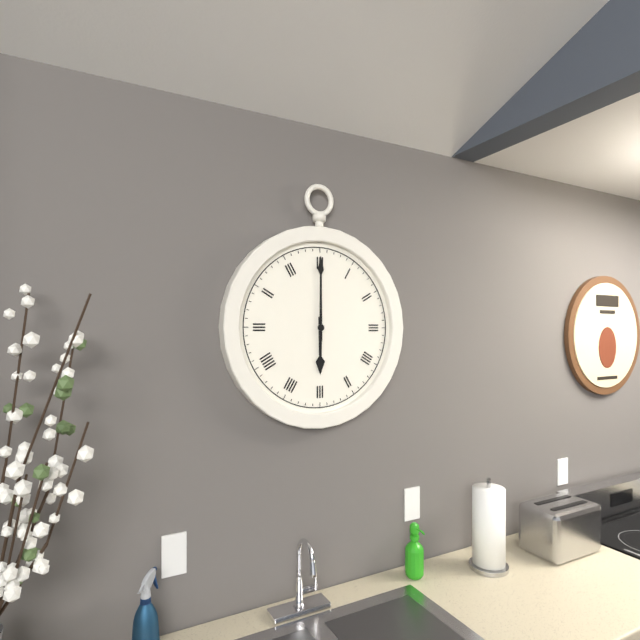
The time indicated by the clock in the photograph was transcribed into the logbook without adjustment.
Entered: 6:00
